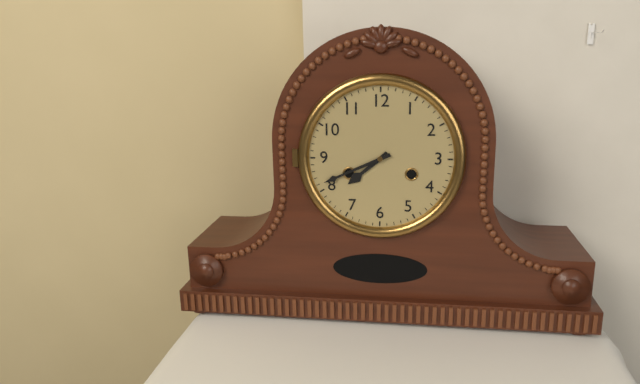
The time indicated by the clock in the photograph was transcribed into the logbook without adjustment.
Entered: 7:41
